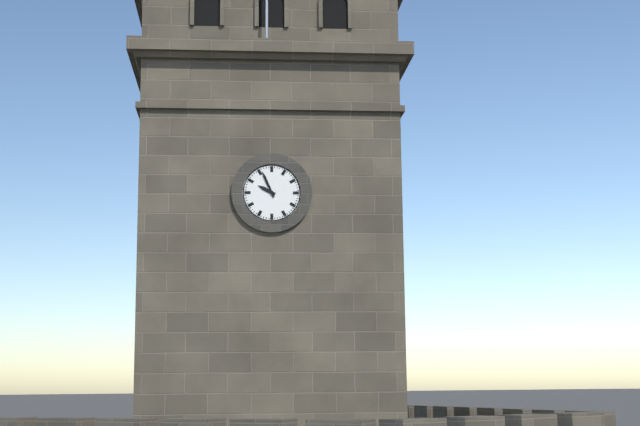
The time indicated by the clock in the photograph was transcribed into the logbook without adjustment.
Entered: 9:56
